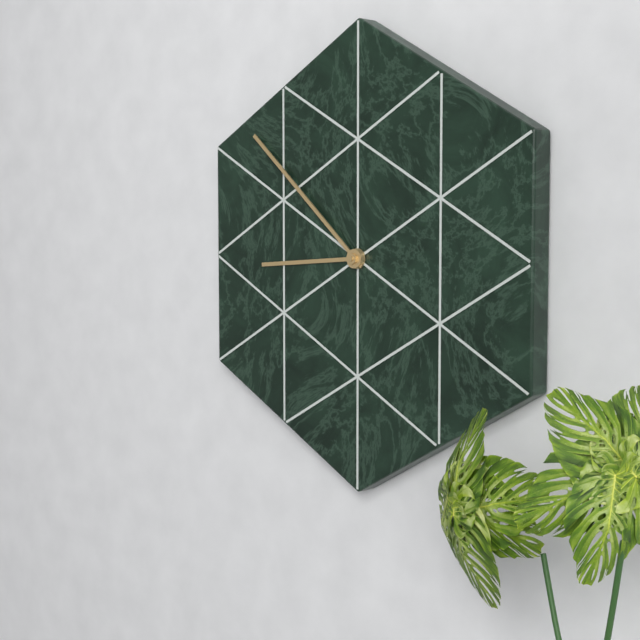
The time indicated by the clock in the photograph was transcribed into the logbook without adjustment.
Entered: 8:52
